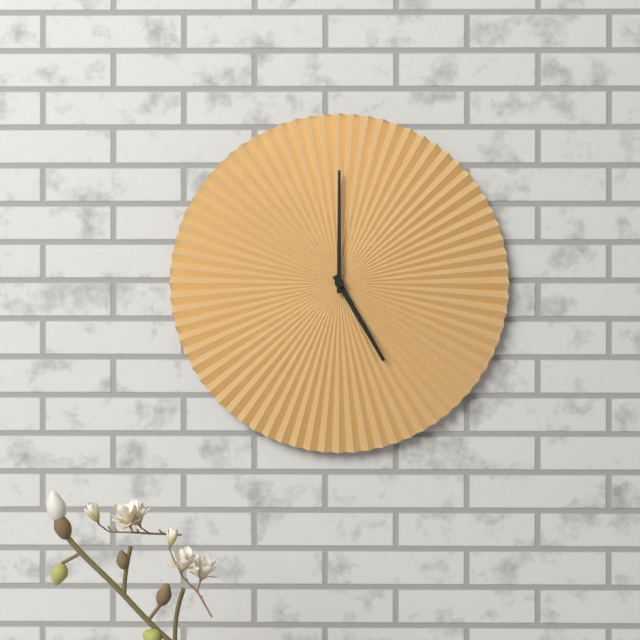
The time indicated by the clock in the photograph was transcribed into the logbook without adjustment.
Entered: 5:00
